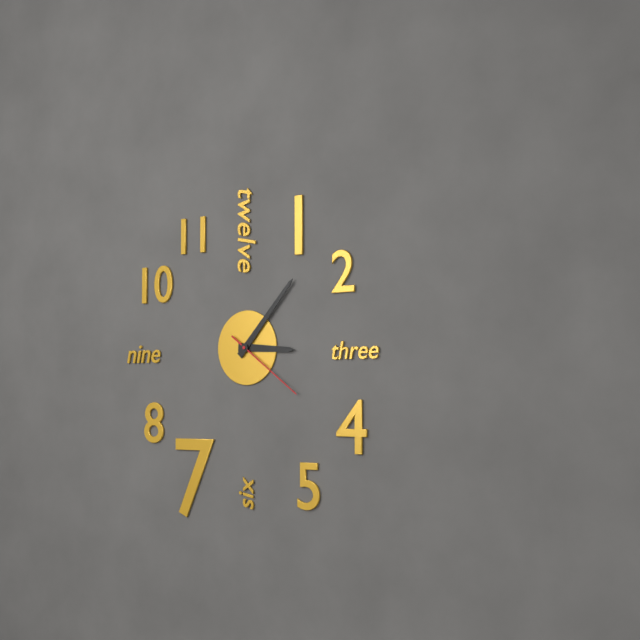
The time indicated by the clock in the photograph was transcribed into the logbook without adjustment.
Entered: 3:07:21
